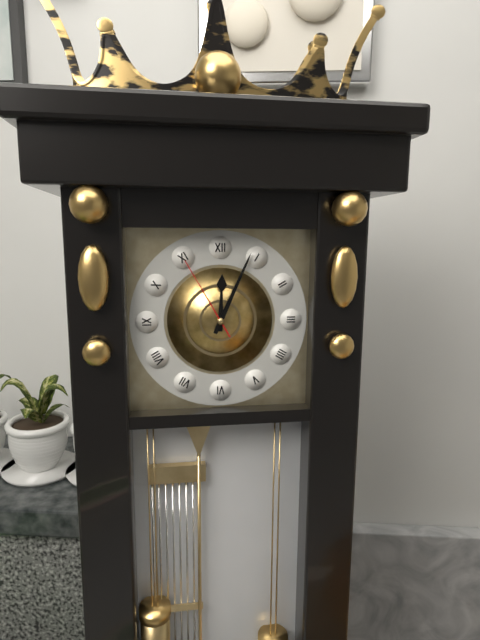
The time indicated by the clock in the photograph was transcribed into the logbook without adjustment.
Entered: 12:04:55
